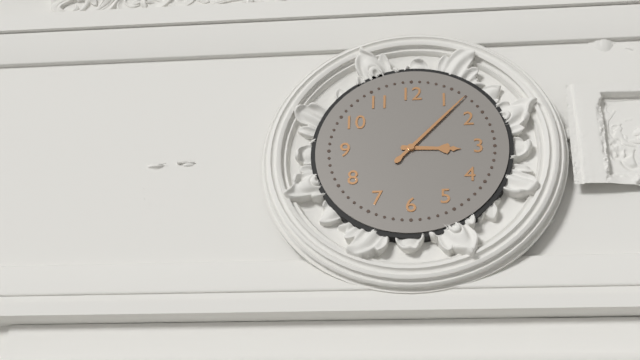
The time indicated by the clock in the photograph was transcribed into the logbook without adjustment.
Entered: 3:07
